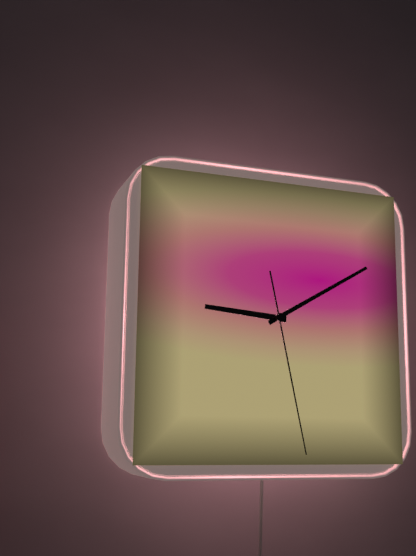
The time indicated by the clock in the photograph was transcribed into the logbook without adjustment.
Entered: 9:10:28
